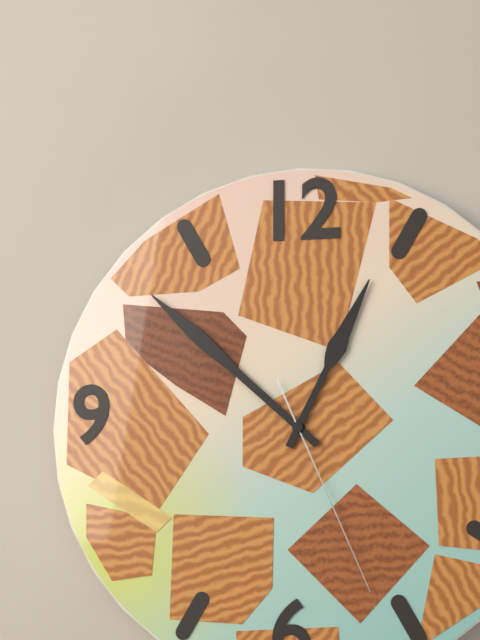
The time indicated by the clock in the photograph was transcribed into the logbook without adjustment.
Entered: 12:52:26
